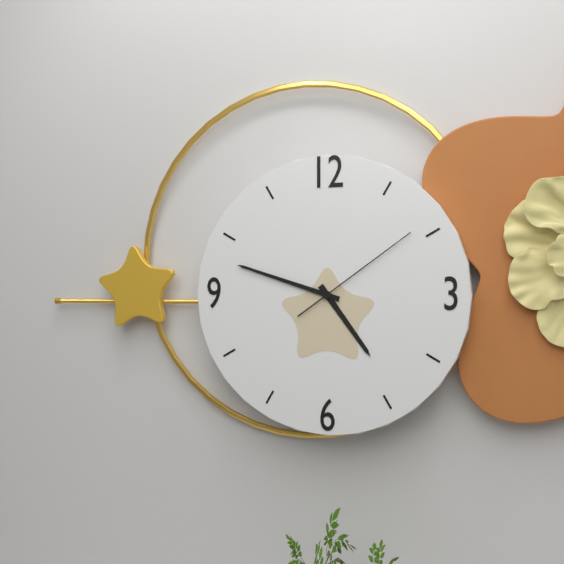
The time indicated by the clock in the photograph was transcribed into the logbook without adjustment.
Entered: 4:48:09
